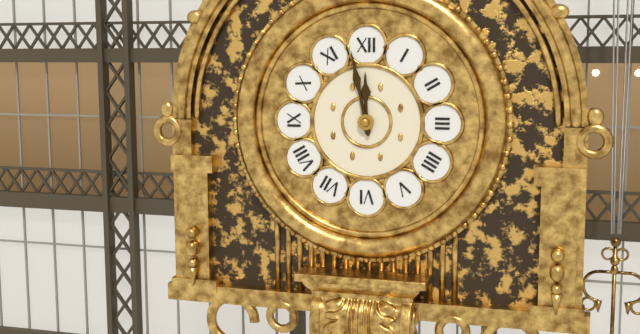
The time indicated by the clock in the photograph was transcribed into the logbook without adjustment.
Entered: 11:58
